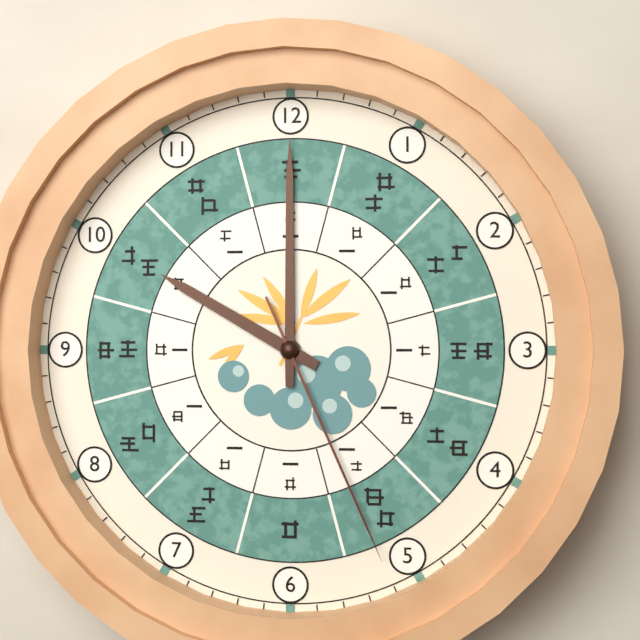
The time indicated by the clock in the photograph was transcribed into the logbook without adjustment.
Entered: 10:00:26
